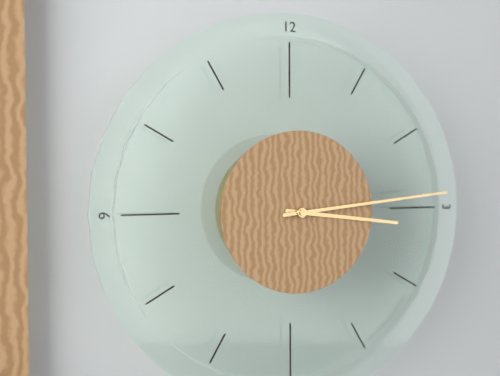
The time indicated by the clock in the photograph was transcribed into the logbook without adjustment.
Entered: 3:14
